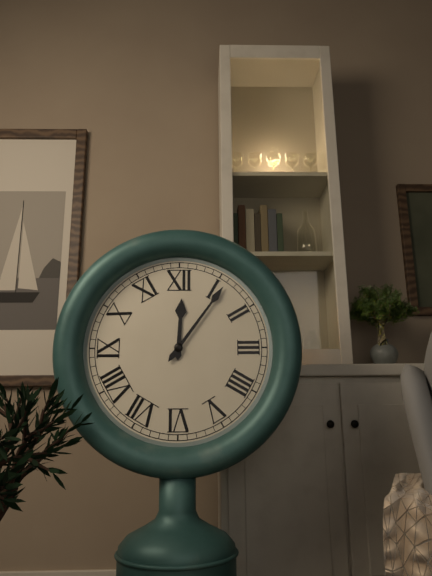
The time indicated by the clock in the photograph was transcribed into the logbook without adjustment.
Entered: 12:06
